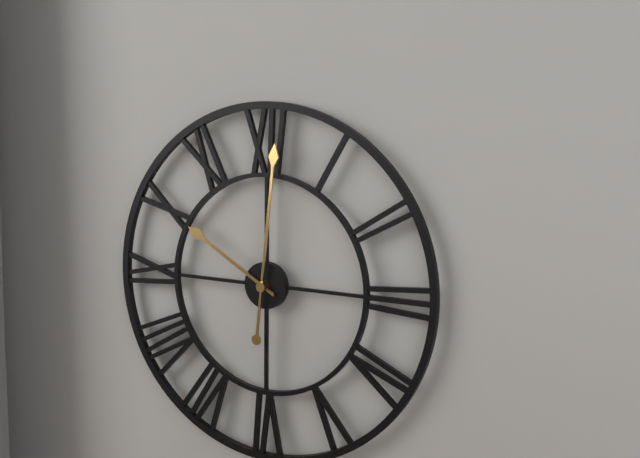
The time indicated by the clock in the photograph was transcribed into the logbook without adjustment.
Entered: 10:01
